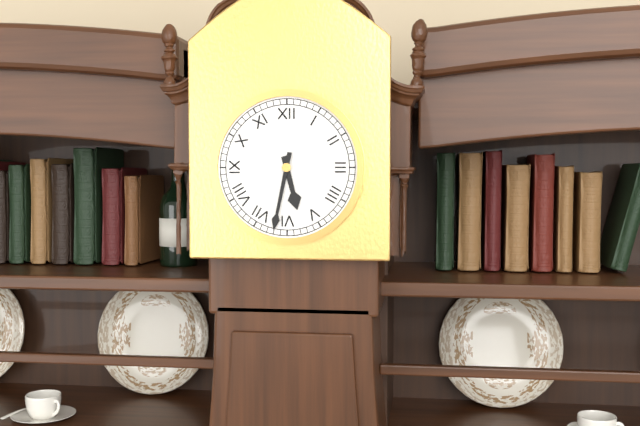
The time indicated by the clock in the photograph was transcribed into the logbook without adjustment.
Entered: 5:32
